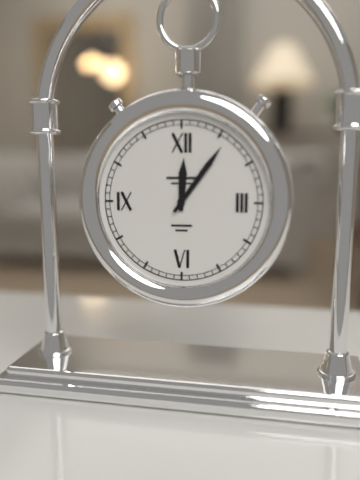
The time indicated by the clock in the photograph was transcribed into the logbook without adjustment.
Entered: 12:06
